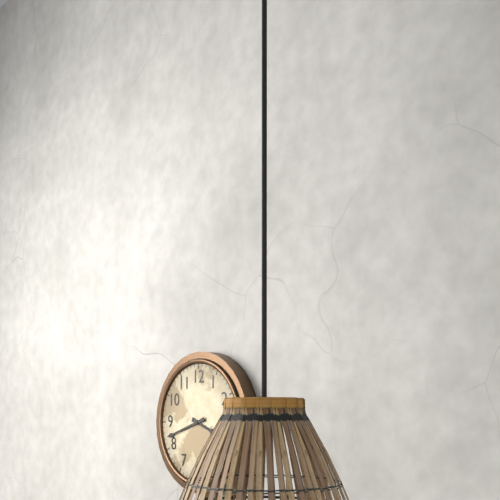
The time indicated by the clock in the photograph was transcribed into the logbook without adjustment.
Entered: 3:42
